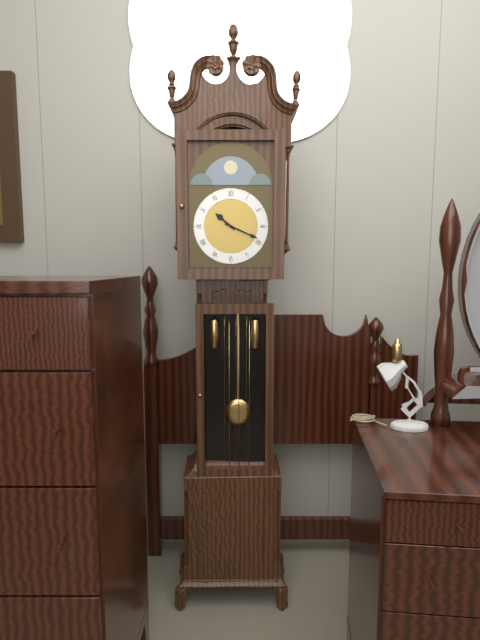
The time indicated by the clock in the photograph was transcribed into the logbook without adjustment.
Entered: 10:19
